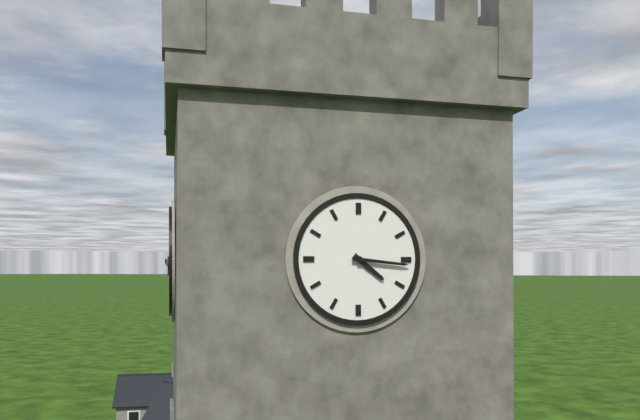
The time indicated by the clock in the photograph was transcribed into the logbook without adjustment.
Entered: 4:16
